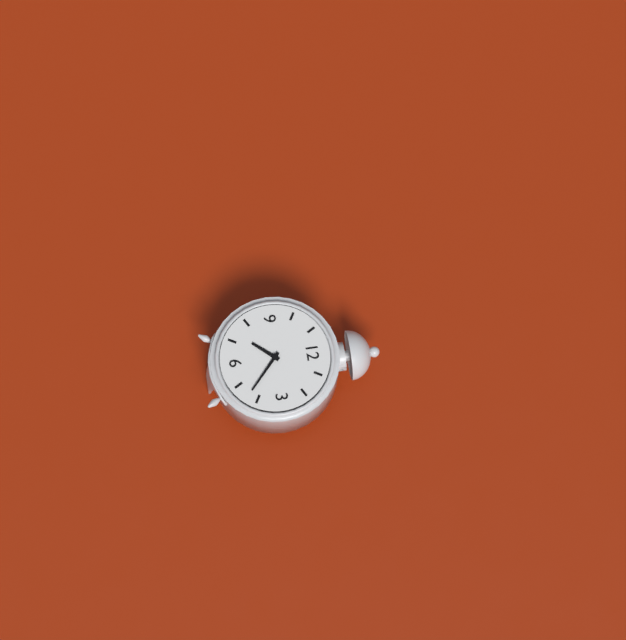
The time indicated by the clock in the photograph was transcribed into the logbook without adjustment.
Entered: 7:22
